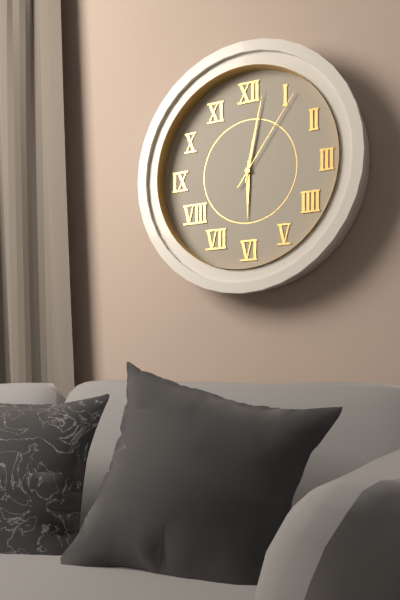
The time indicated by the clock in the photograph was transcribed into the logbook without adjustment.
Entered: 6:02:06
